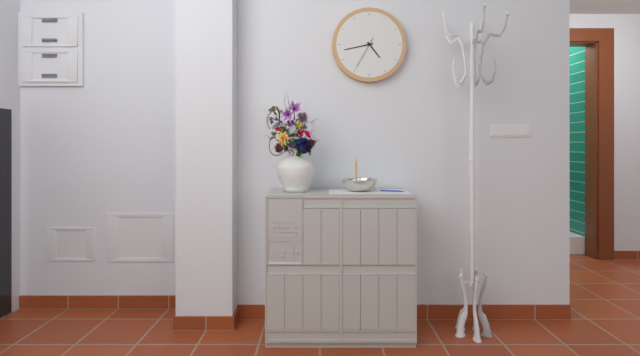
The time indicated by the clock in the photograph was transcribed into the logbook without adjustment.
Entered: 4:43
